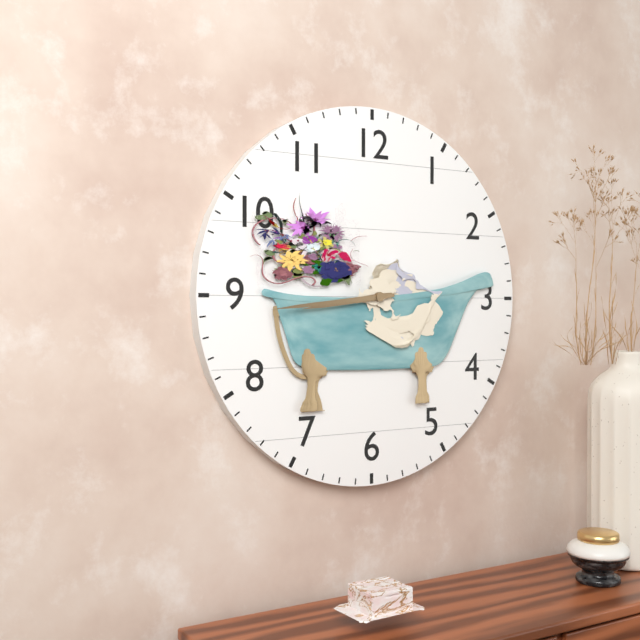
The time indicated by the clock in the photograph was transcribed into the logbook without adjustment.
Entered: 8:44
